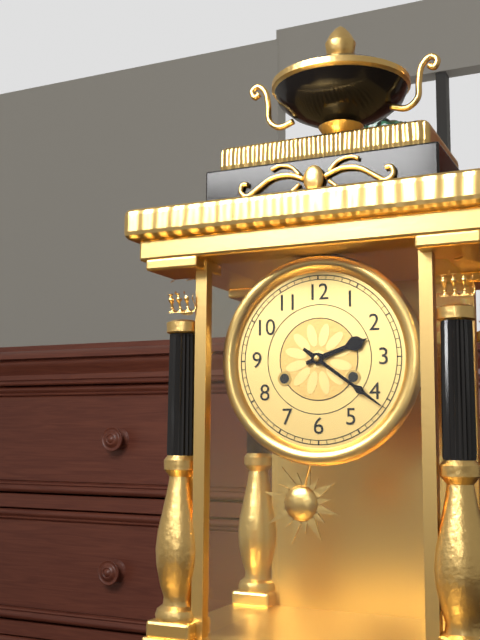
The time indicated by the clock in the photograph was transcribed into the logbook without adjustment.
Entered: 2:21
